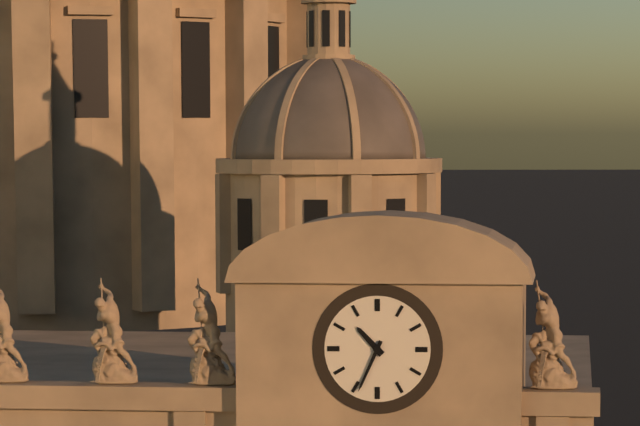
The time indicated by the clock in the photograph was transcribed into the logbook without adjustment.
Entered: 10:34
